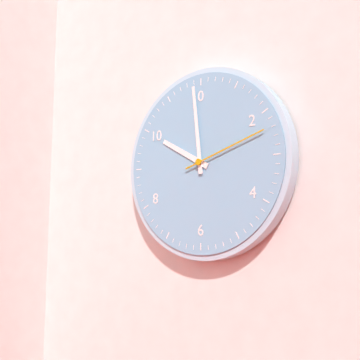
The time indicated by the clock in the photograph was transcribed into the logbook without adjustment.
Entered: 9:59:12
